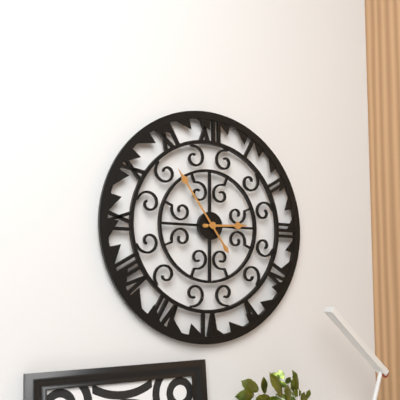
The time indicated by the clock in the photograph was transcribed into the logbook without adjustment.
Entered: 2:54
